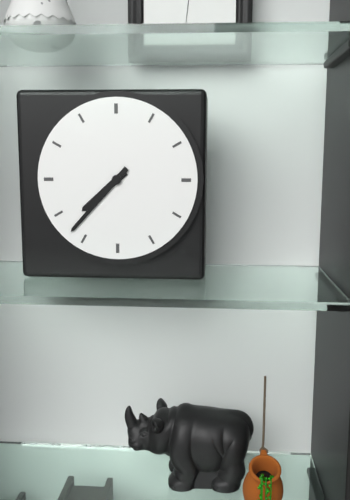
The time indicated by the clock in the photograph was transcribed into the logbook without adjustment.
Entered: 7:37
